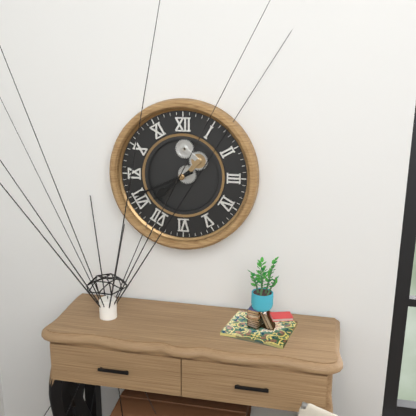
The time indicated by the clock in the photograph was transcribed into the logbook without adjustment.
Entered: 7:41
